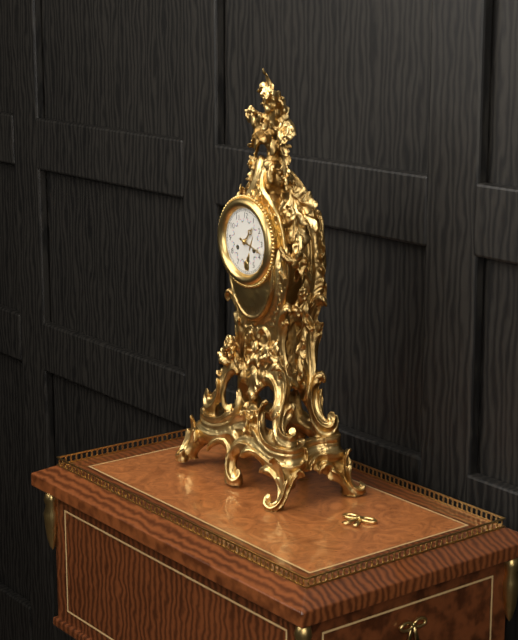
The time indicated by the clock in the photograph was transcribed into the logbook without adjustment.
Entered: 1:18
